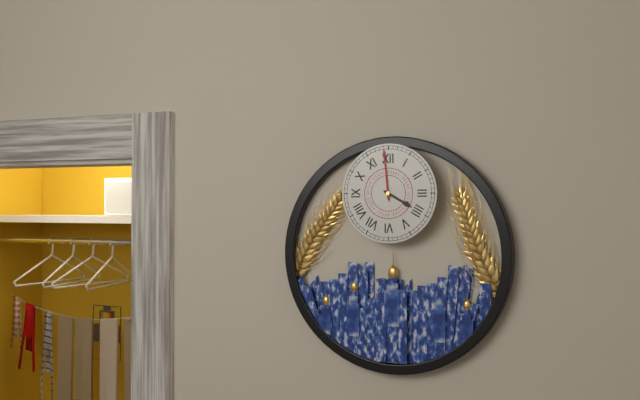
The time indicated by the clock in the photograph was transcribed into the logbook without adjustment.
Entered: 3:59
